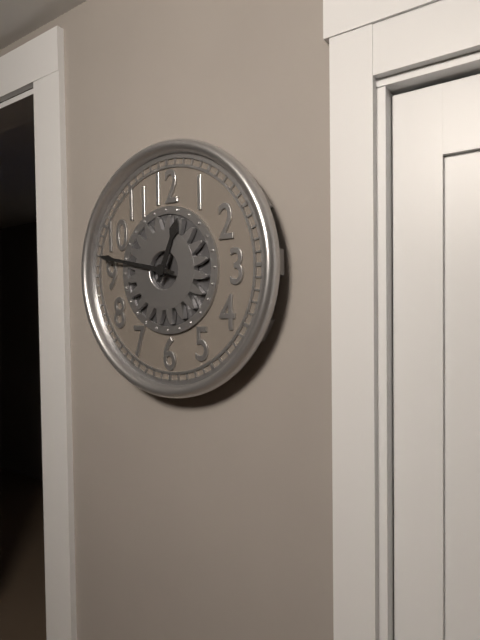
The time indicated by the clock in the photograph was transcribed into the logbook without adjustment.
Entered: 12:47
